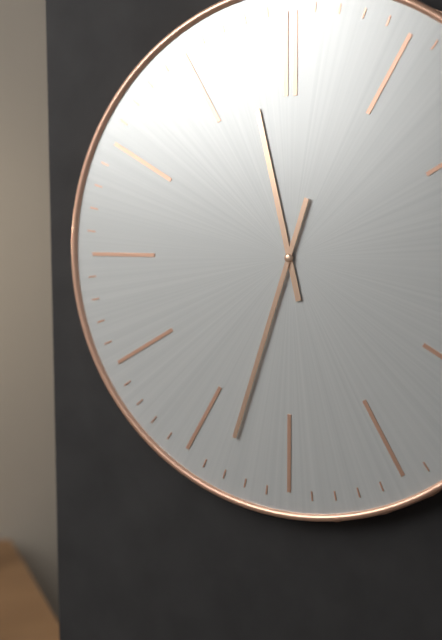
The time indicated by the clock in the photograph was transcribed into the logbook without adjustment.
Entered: 11:33
